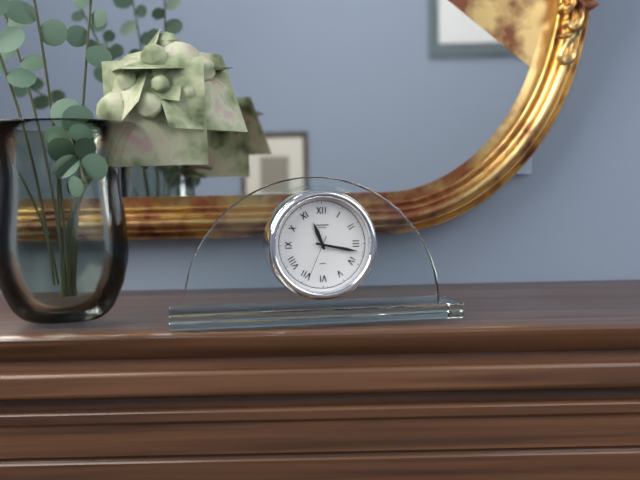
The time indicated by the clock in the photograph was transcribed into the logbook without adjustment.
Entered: 11:17
